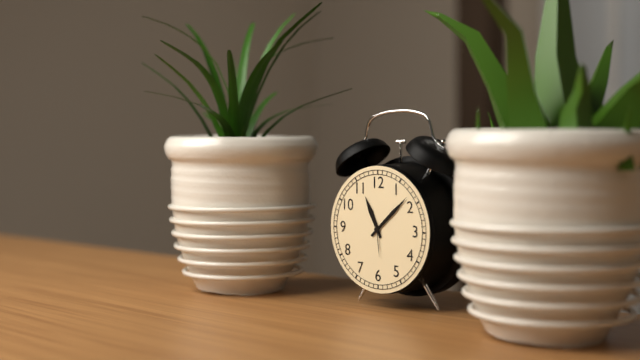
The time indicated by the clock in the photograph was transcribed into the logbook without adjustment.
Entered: 11:08
